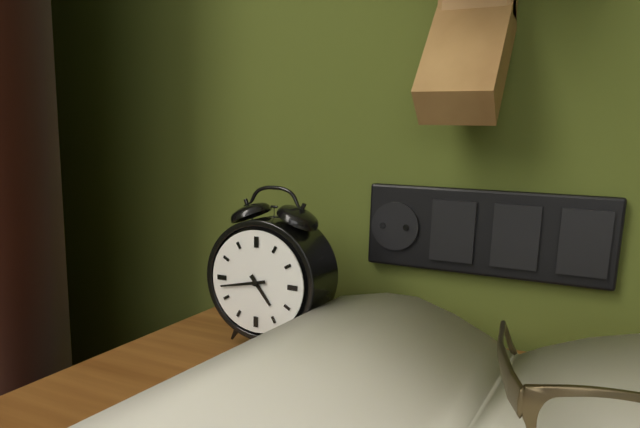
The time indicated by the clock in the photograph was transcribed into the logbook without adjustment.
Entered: 4:43
